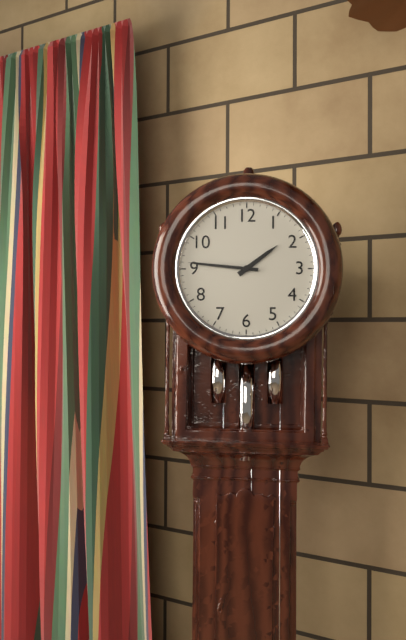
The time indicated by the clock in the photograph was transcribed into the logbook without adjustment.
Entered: 1:46
